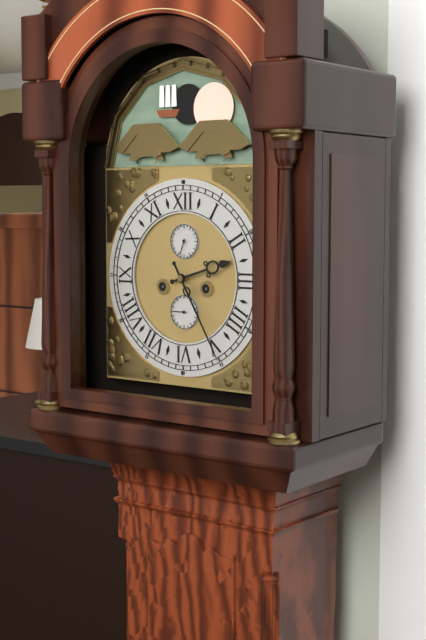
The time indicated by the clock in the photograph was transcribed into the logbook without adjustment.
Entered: 2:25
